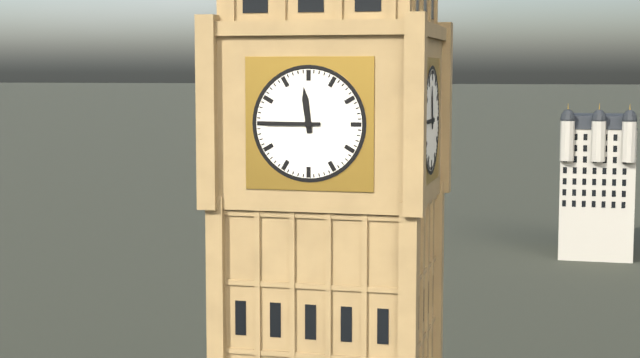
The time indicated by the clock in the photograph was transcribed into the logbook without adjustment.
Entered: 11:45
